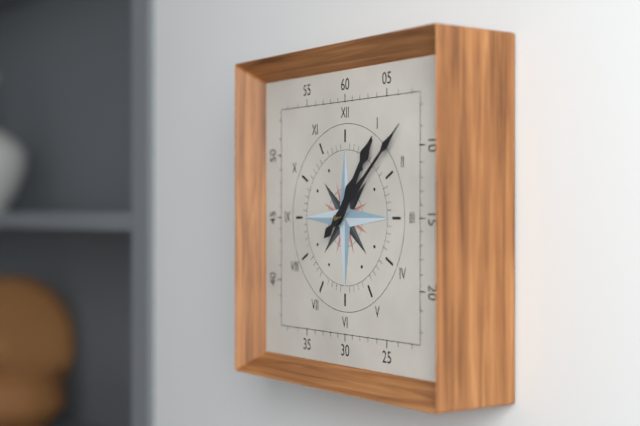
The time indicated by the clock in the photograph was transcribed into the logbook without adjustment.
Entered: 1:08
